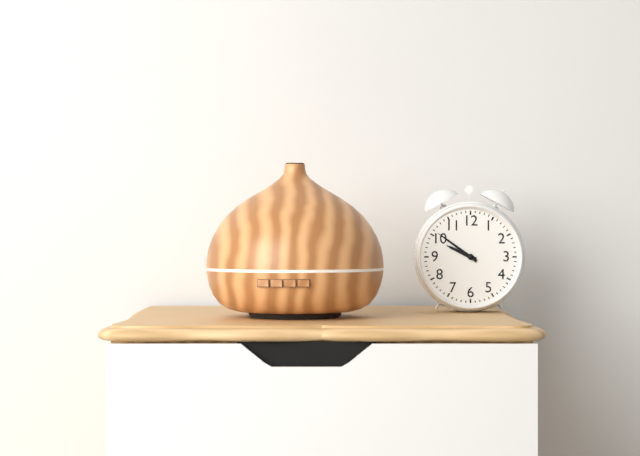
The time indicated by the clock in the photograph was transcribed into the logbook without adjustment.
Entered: 9:51
